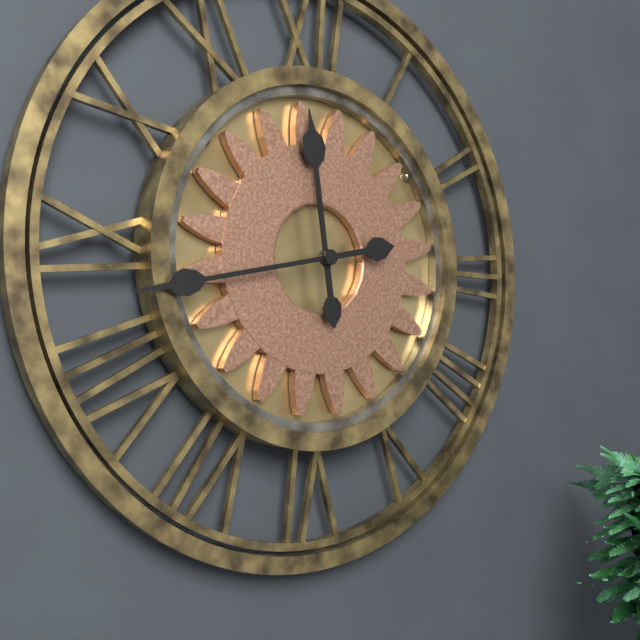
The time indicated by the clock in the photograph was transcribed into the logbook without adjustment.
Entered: 11:43
